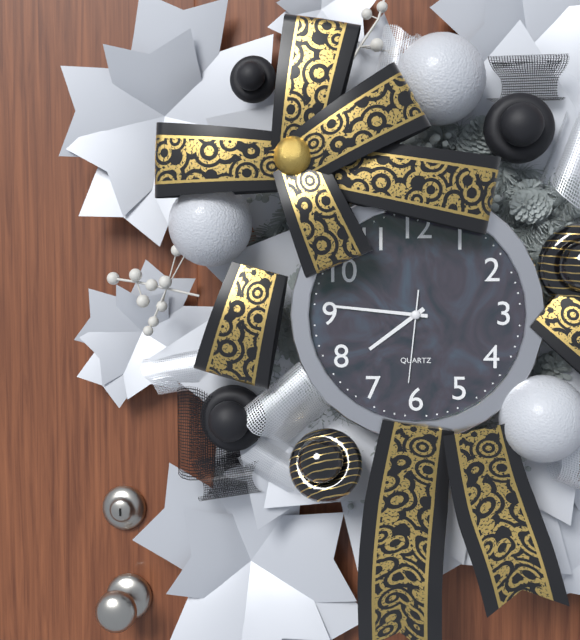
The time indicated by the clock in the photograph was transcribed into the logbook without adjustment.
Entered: 7:46:31
